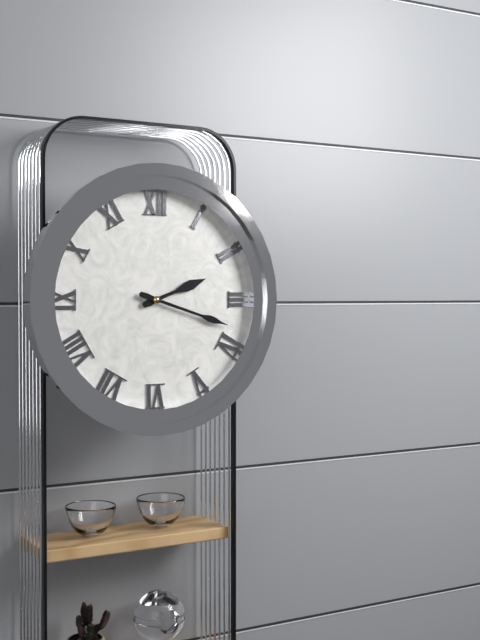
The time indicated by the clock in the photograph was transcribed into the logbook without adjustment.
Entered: 2:18
